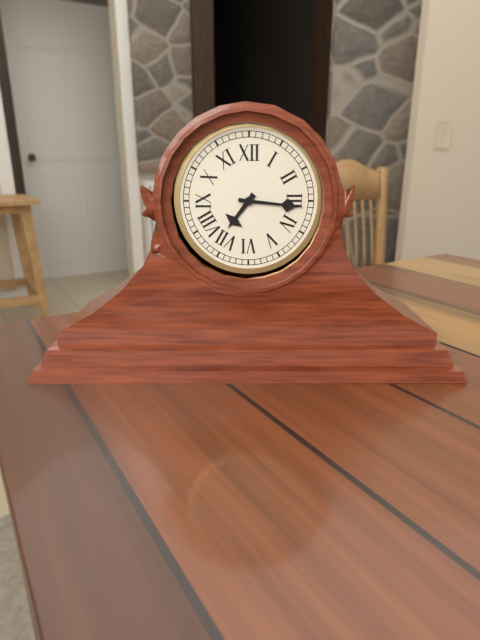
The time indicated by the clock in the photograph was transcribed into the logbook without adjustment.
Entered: 7:16
